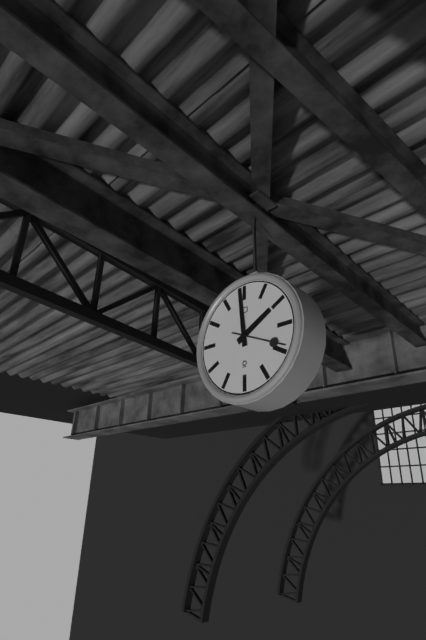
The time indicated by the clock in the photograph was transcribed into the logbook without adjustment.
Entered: 1:59:19
